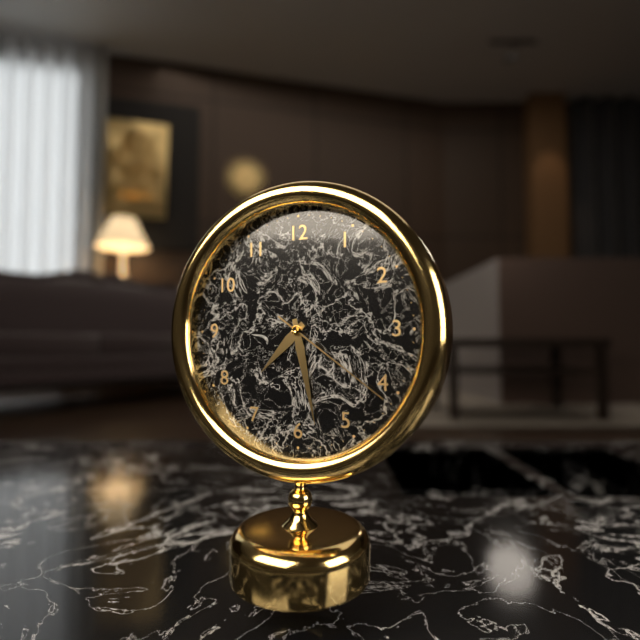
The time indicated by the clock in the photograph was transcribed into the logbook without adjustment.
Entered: 7:28:21
